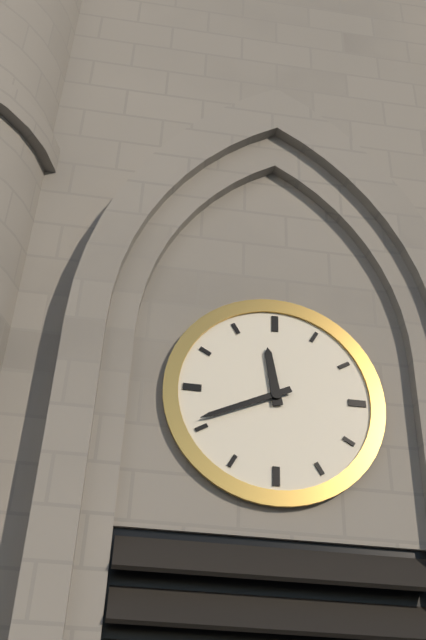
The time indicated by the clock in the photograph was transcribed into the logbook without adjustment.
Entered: 11:41
